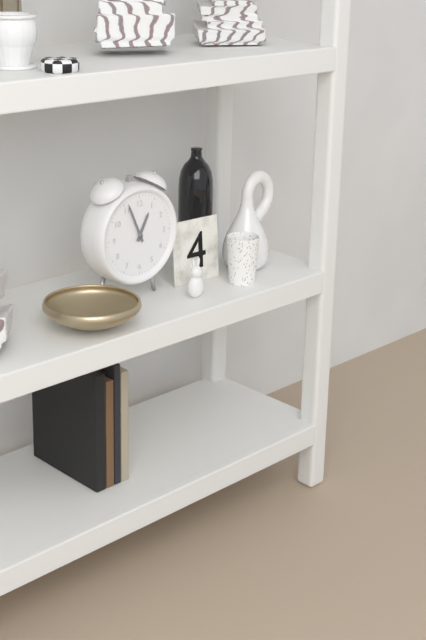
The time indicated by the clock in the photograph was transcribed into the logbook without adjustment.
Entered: 12:56
